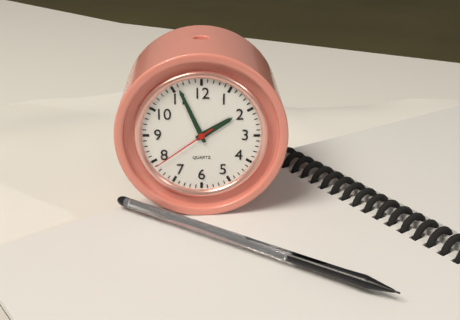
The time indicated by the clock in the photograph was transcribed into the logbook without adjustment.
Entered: 1:56:39
